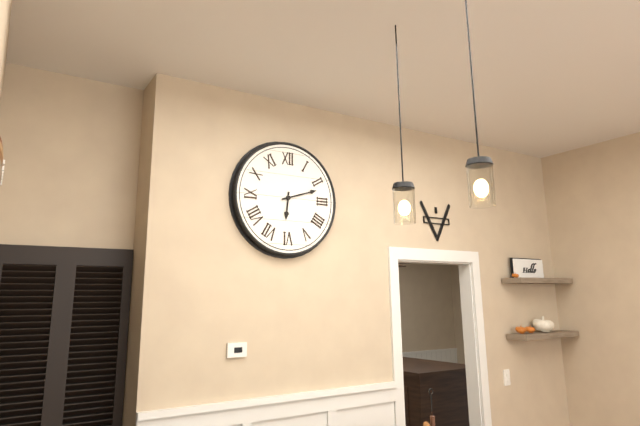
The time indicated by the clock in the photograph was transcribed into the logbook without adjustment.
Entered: 6:12
